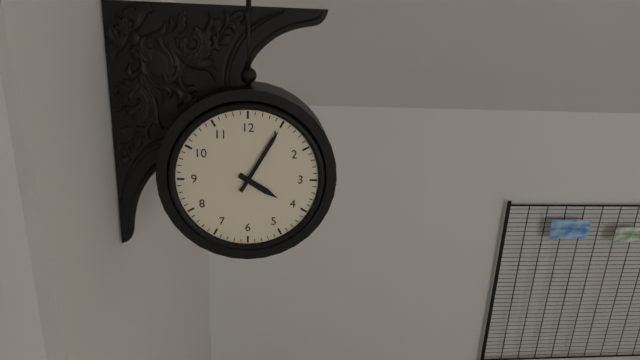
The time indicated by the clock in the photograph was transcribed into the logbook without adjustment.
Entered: 4:05
